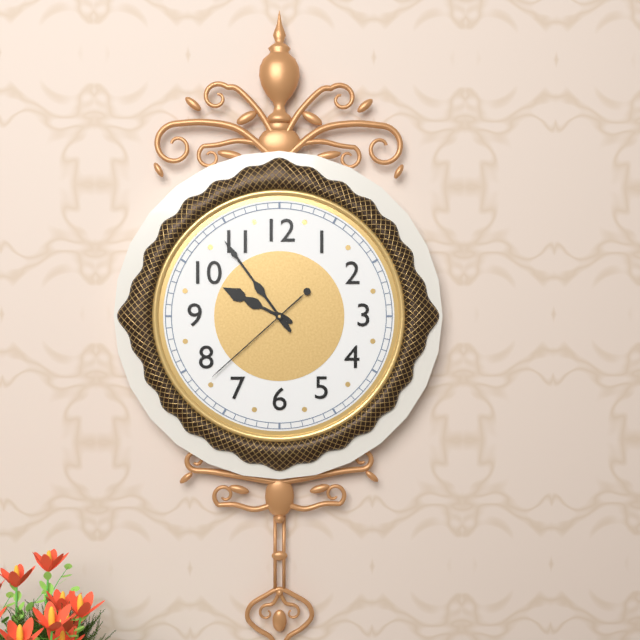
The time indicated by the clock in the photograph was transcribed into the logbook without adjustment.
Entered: 9:54:38
